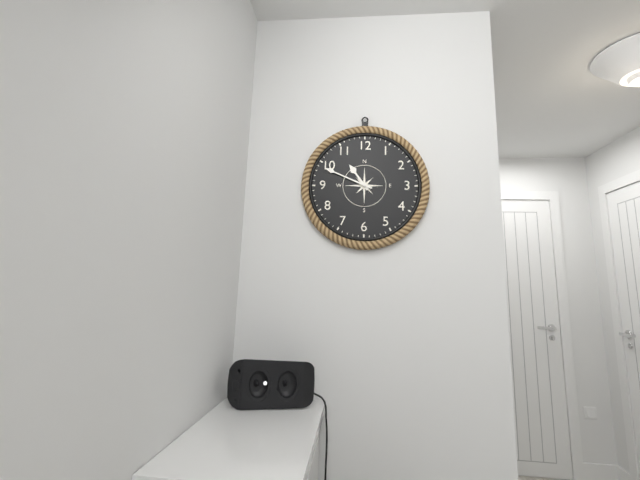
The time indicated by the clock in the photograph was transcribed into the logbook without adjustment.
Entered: 10:49
